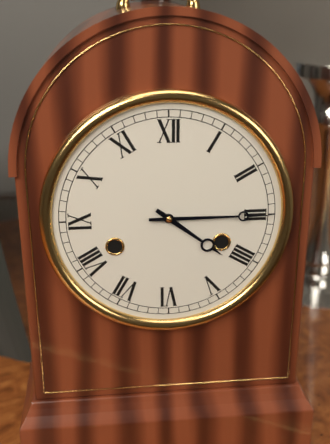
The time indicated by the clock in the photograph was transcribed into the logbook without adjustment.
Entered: 4:15
